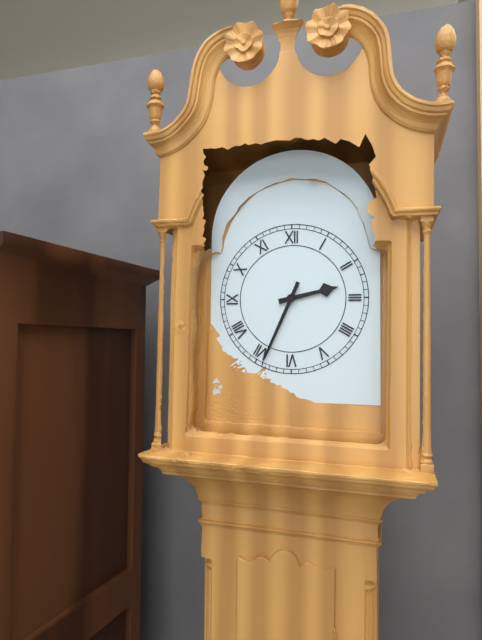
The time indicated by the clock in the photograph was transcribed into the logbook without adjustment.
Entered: 2:34
